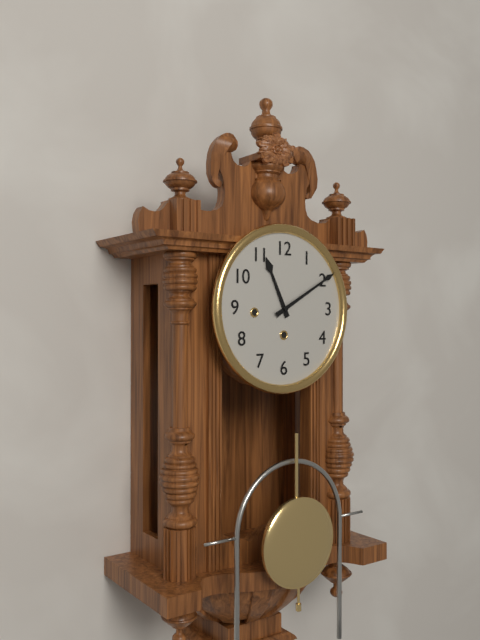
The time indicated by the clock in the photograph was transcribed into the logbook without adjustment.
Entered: 11:10
